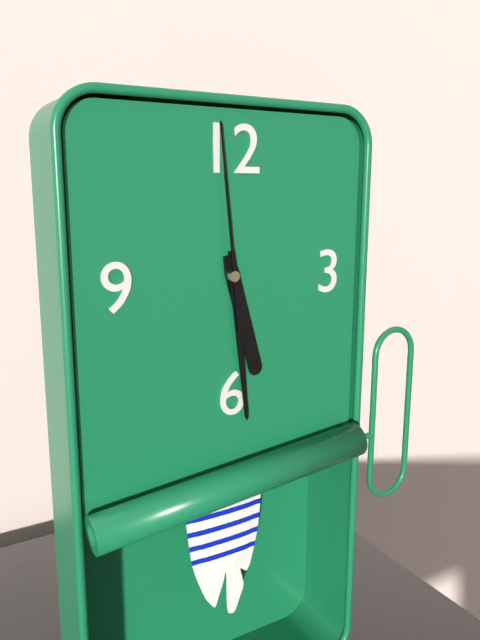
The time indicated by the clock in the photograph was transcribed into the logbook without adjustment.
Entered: 5:29:59
